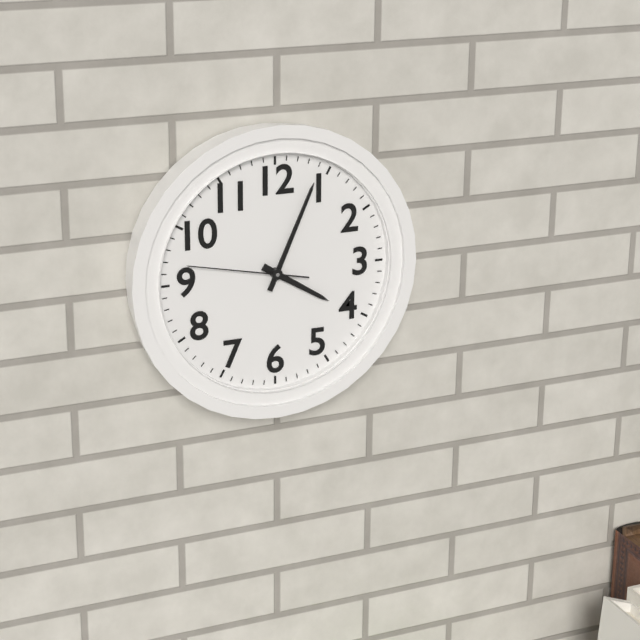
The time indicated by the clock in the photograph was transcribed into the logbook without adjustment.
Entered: 4:04:47
